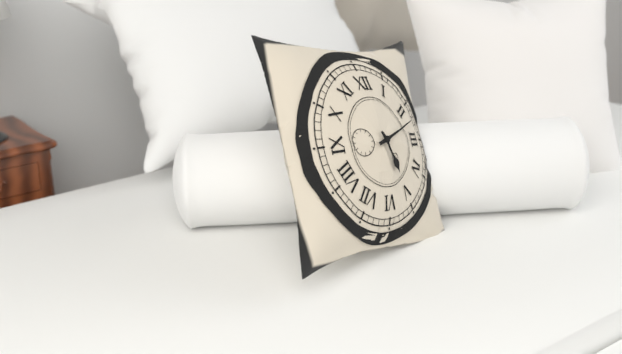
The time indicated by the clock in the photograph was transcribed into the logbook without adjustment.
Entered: 5:12
